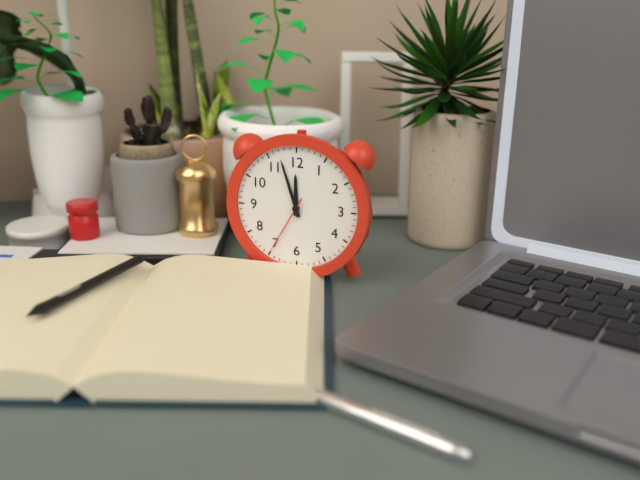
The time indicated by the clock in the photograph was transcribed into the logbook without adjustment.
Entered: 11:57:35
